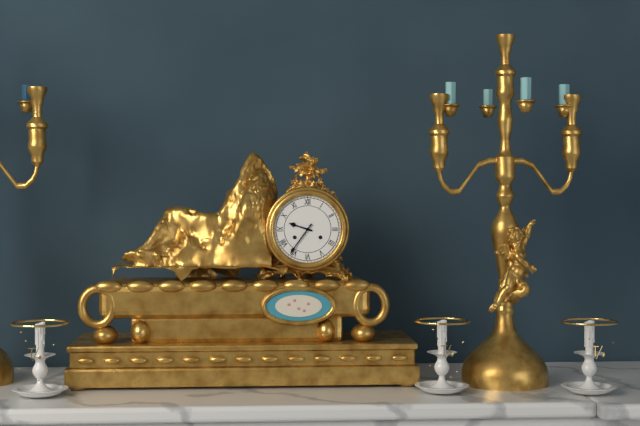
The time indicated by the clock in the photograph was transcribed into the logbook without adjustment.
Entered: 9:36
